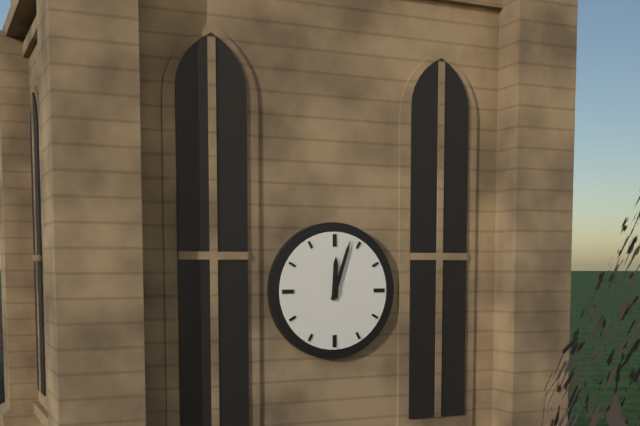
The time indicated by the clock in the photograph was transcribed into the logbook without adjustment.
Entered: 12:03
